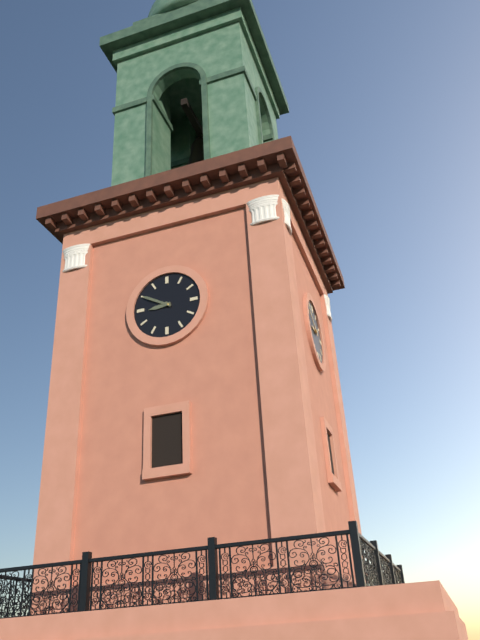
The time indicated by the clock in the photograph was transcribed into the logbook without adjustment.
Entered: 8:50
